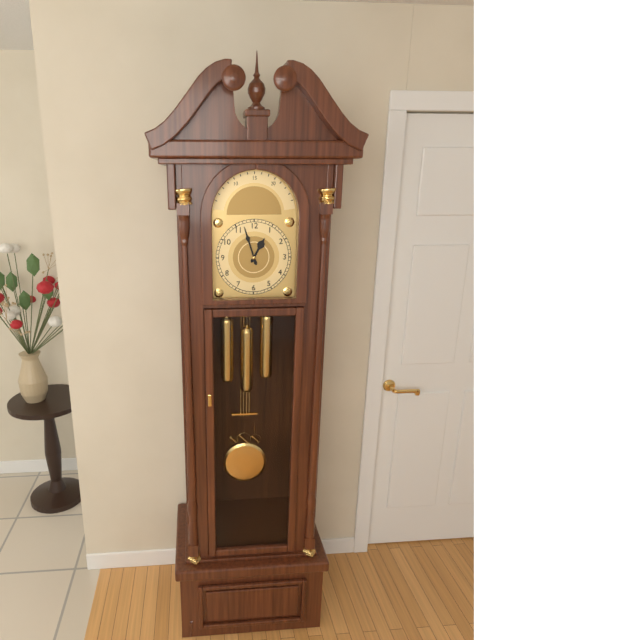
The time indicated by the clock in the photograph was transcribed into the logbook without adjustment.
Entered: 12:57
